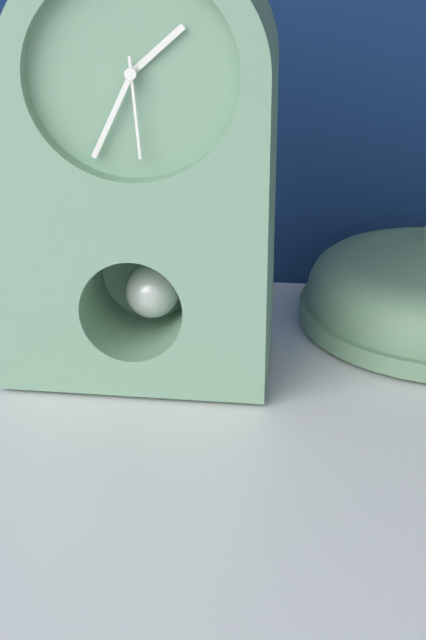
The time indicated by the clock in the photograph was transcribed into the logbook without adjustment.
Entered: 1:34:29
